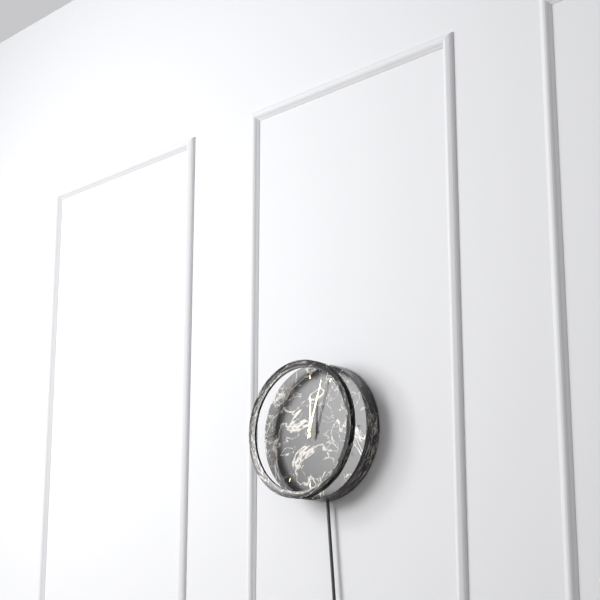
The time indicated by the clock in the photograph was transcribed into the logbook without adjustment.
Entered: 12:03
